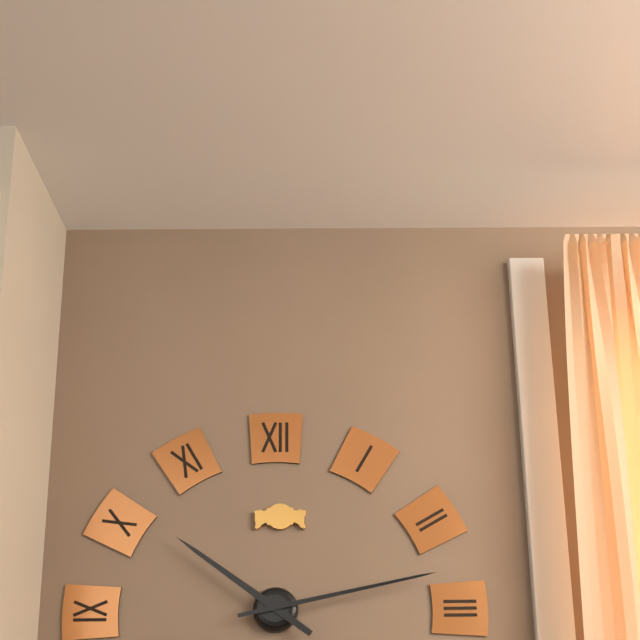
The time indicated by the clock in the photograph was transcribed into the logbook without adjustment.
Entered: 10:13
